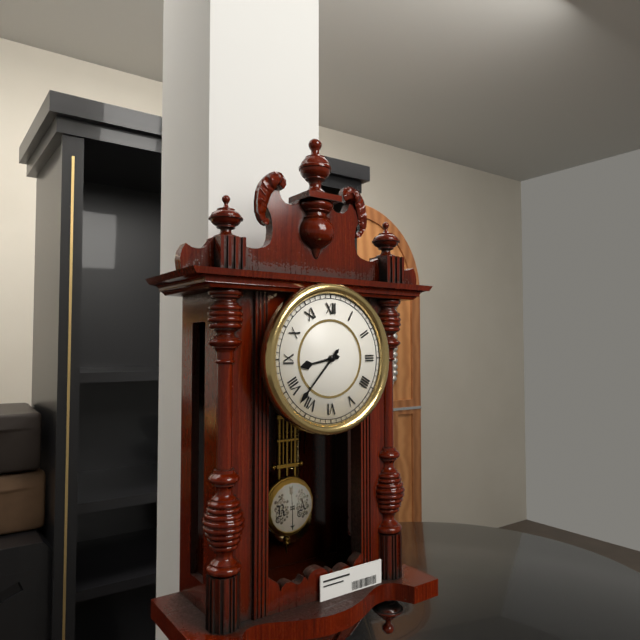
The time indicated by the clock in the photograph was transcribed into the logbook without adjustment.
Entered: 8:37
